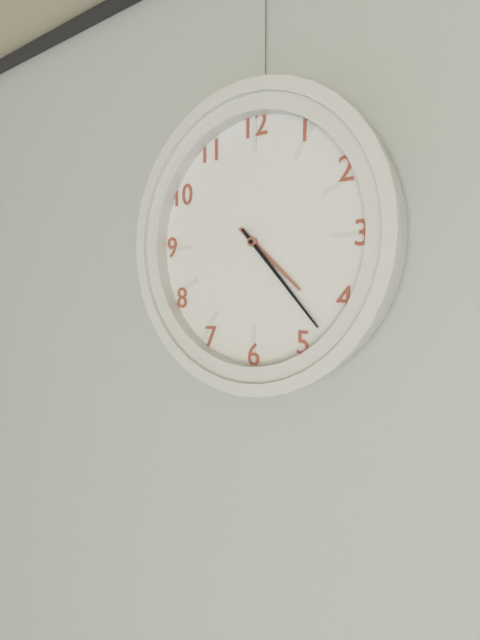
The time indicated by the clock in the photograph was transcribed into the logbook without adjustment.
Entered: 4:23
